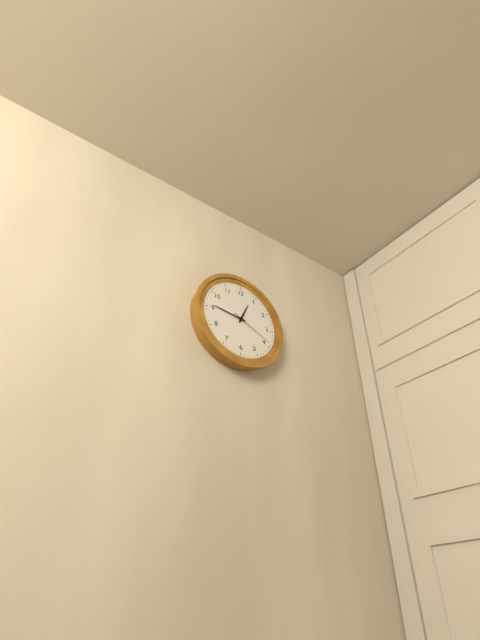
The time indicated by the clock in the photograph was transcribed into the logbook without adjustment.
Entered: 12:46
